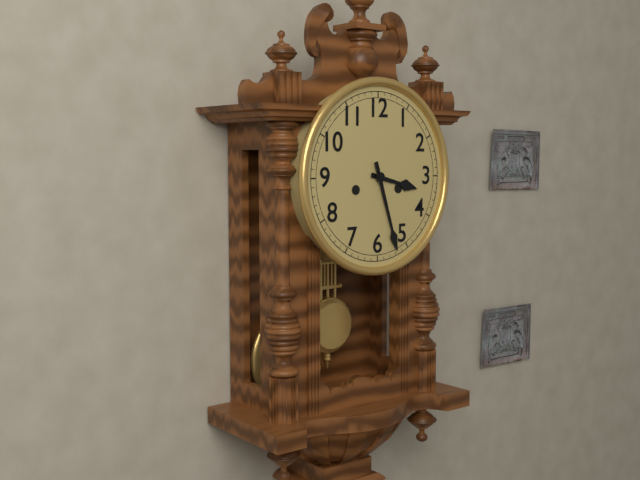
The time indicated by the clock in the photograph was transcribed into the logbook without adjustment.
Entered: 3:27
